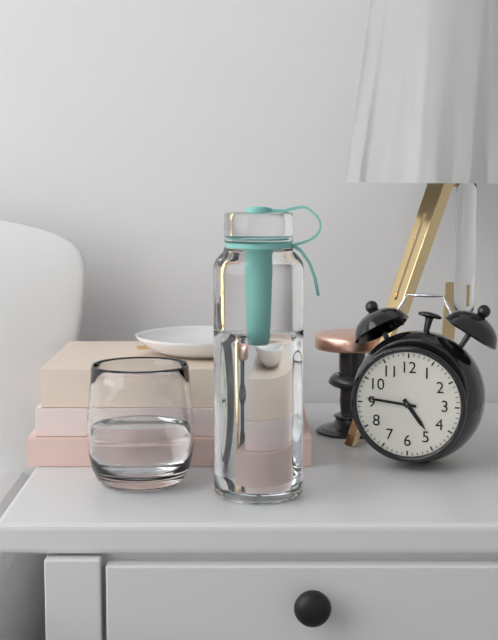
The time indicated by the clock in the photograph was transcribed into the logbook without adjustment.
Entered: 4:46
